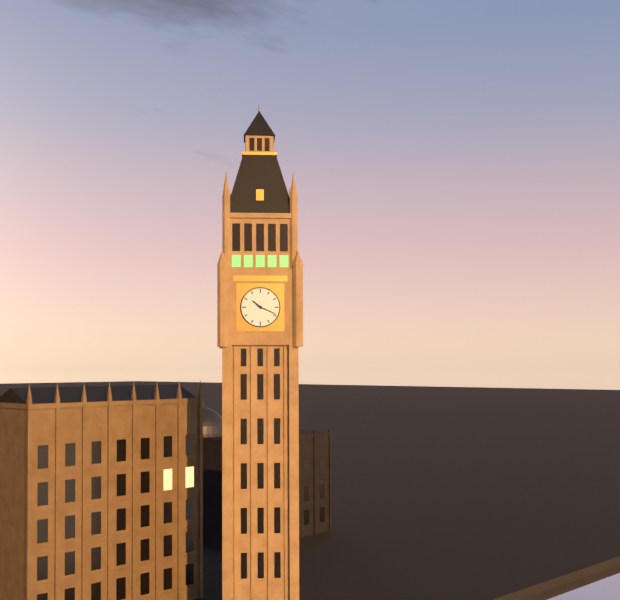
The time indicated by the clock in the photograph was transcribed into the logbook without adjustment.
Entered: 10:19
